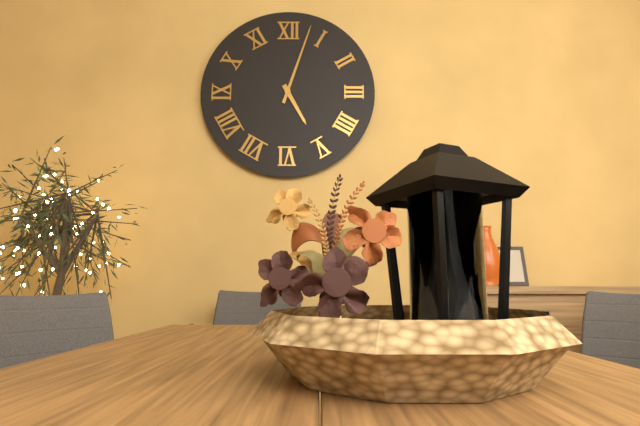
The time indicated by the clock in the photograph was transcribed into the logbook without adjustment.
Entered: 5:03
